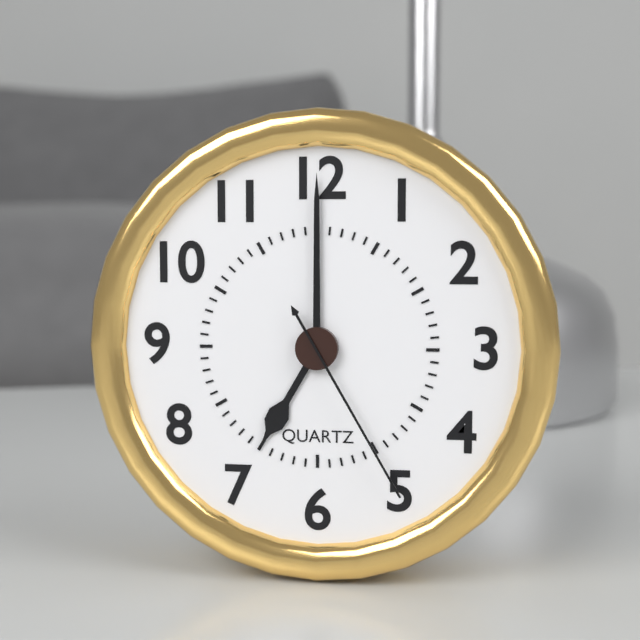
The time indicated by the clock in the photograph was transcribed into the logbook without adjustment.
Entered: 7:00:25
